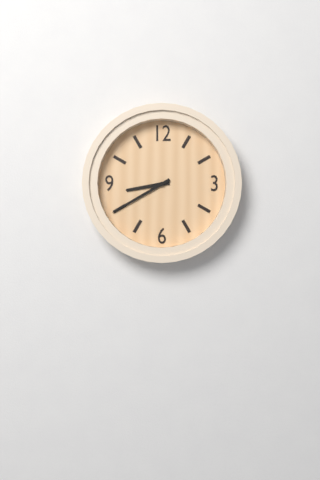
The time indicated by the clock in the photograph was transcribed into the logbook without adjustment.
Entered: 8:40
